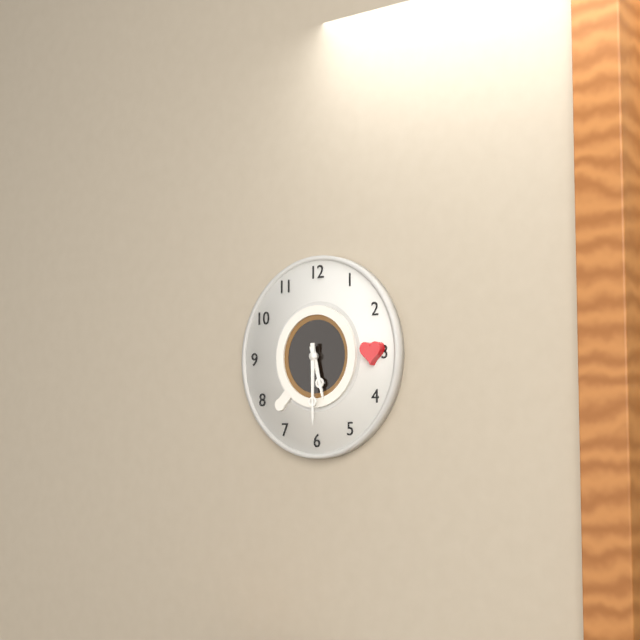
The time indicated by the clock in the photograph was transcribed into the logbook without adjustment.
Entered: 5:30
